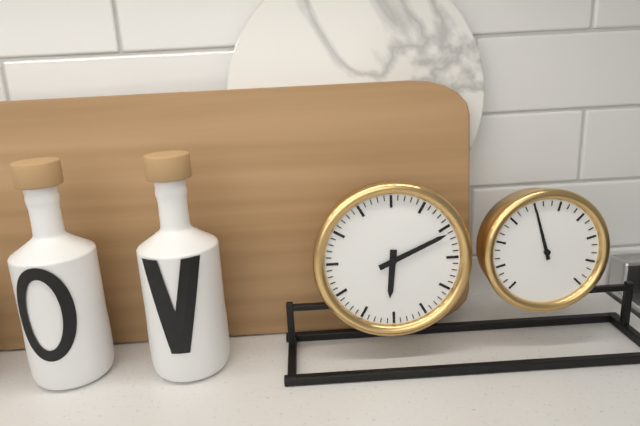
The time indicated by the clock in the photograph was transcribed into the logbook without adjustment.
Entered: 6:11
